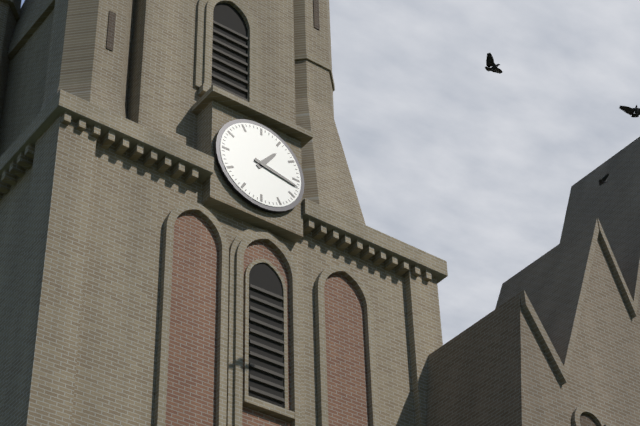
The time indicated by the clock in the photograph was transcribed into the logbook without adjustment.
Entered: 1:17
